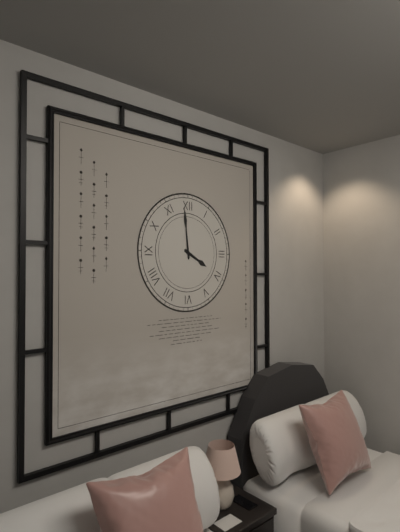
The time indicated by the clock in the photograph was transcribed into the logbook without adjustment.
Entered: 3:59
